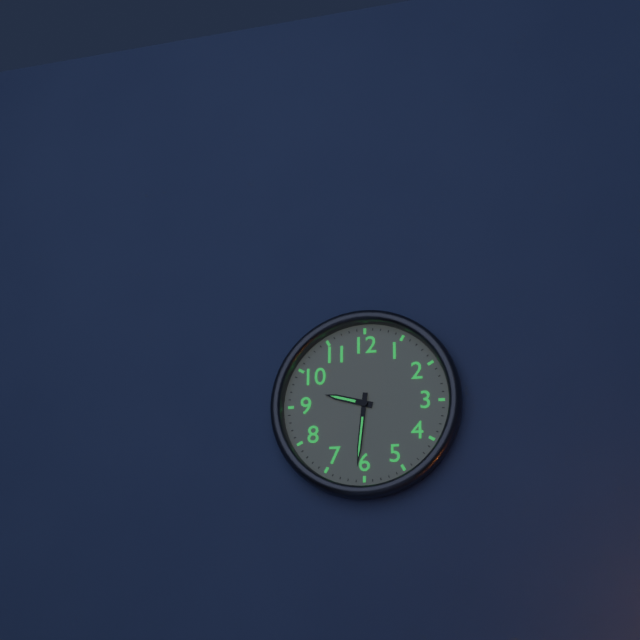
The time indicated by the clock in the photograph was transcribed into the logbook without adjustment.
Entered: 9:31
